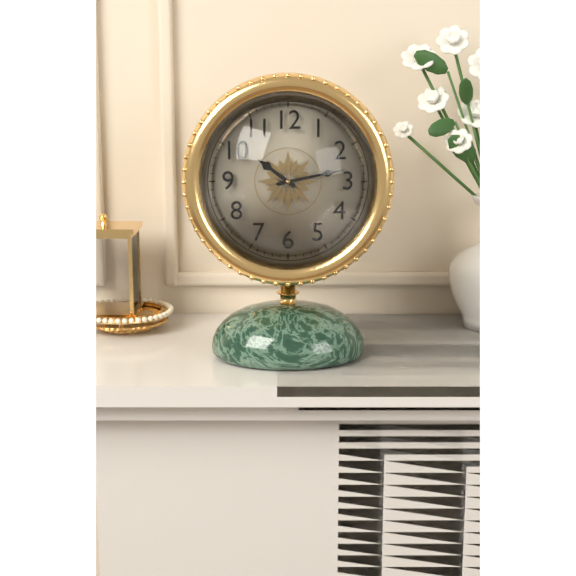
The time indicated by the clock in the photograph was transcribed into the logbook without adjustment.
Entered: 10:13
